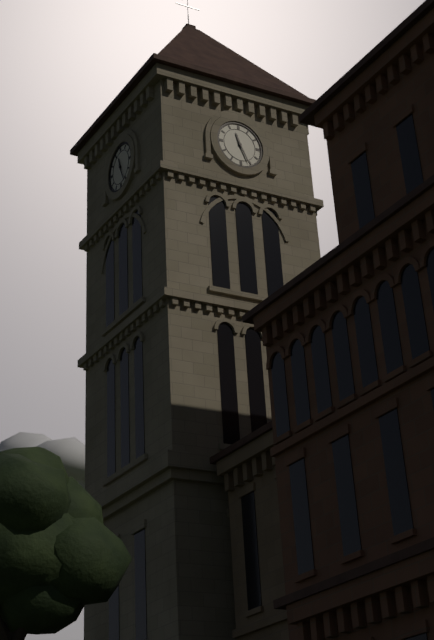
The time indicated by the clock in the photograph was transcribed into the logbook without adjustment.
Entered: 11:26
